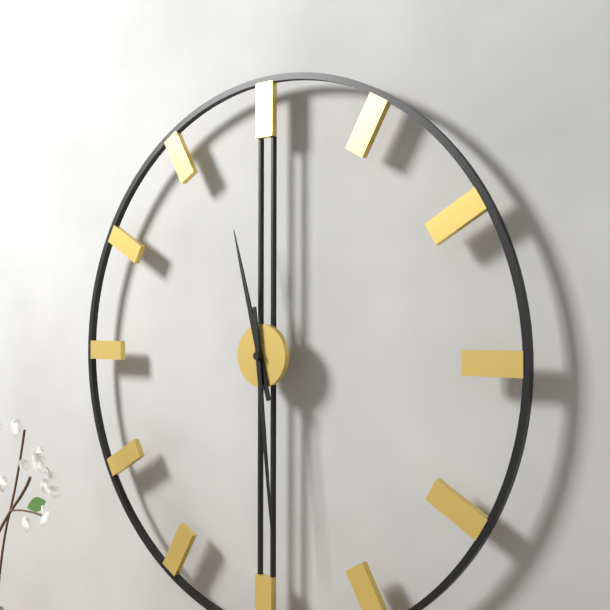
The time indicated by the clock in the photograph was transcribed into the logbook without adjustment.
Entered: 11:29
